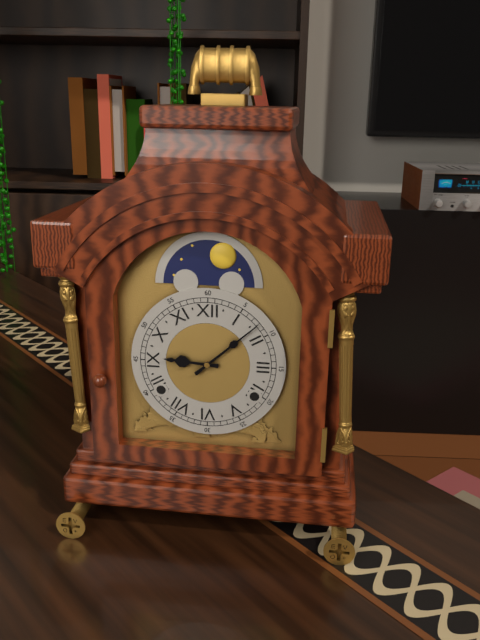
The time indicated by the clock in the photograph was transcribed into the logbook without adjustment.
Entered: 9:08
